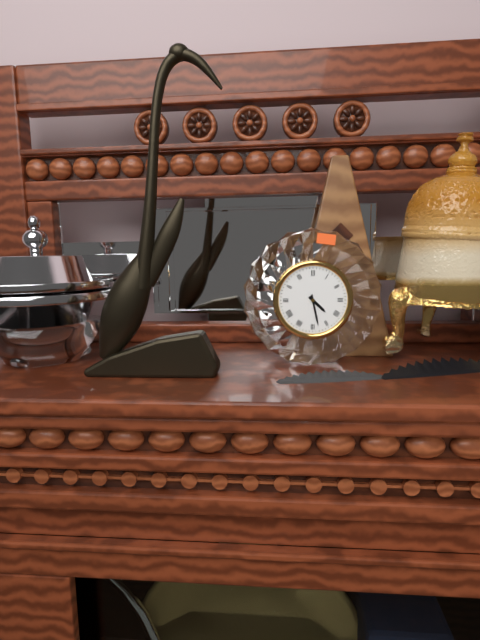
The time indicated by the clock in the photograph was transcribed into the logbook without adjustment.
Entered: 4:28
